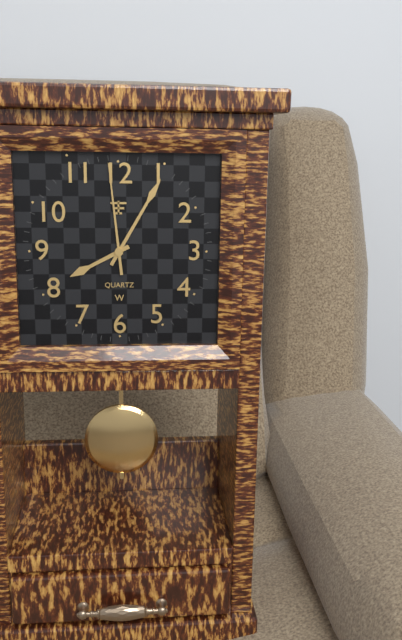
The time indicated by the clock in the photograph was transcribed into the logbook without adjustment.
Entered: 8:05:59
